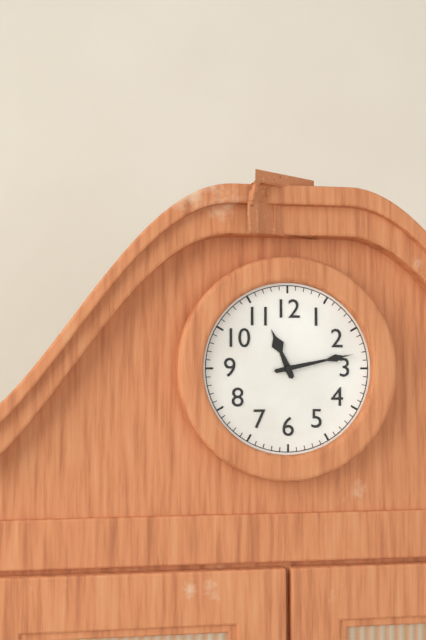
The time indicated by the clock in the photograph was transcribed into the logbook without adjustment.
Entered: 11:13
